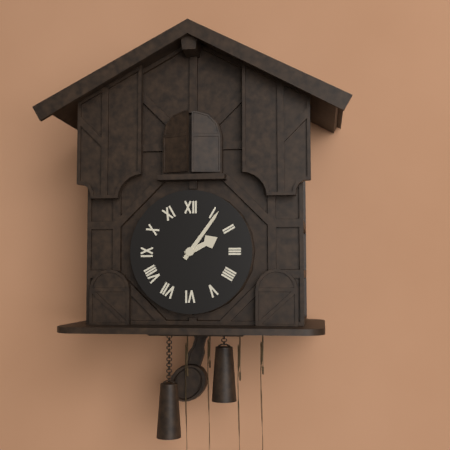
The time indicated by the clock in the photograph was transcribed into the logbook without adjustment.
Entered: 2:06
